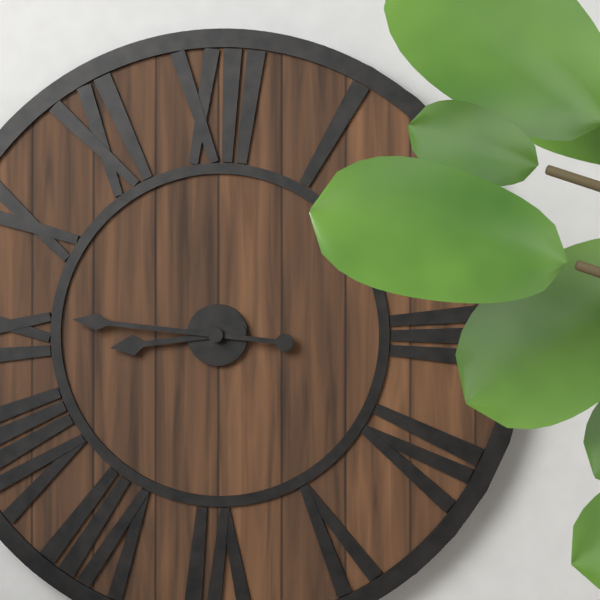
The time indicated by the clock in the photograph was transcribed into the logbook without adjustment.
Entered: 8:46
